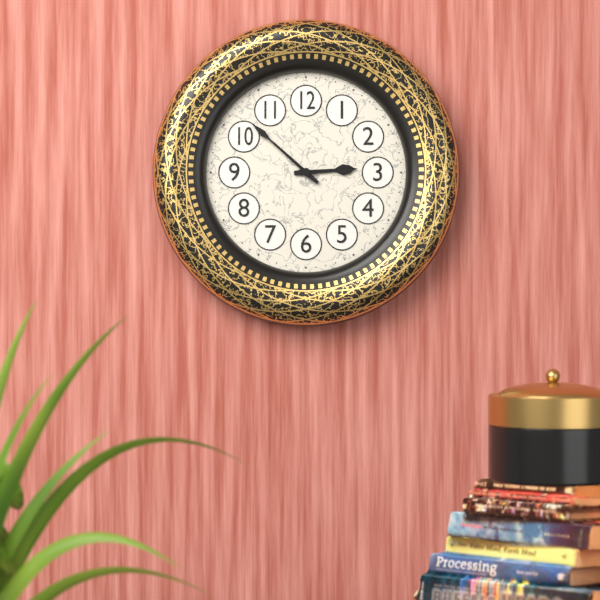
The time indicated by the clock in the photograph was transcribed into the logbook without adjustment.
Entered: 2:52
